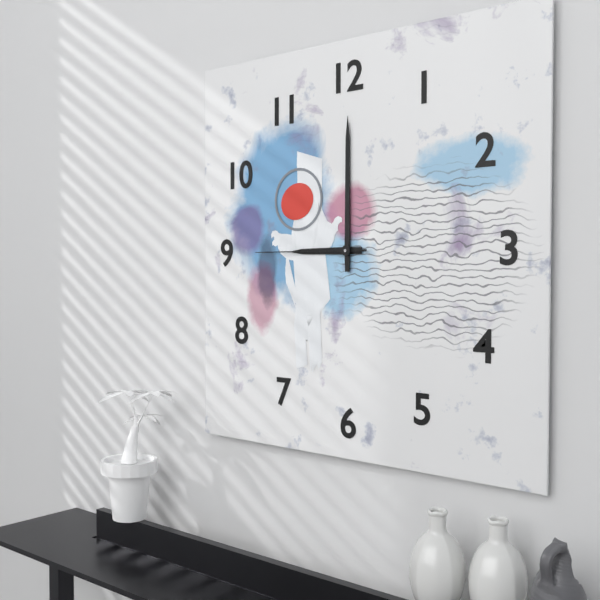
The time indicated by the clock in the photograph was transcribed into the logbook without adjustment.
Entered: 9:00:45
